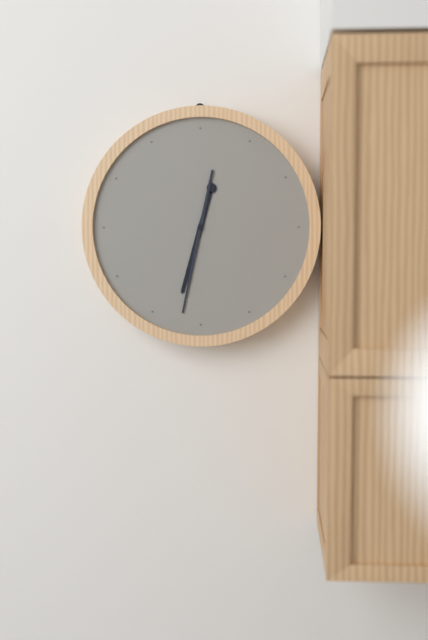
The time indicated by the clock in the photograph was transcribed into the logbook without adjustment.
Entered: 6:32
